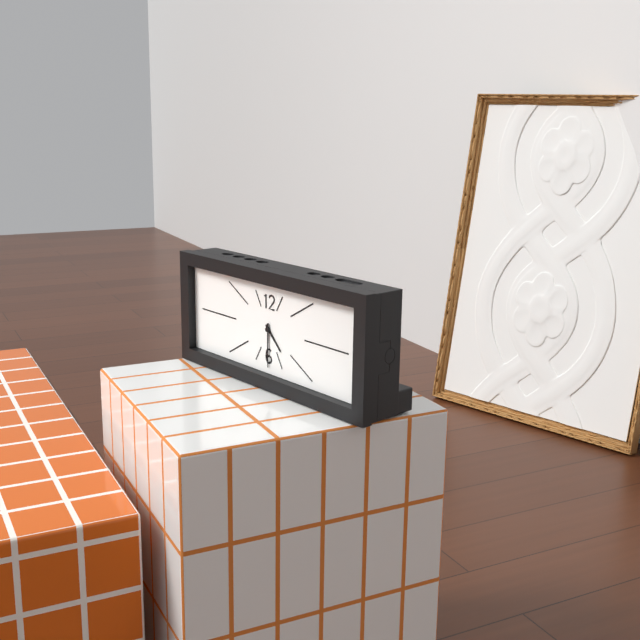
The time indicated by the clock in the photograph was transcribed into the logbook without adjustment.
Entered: 4:30
